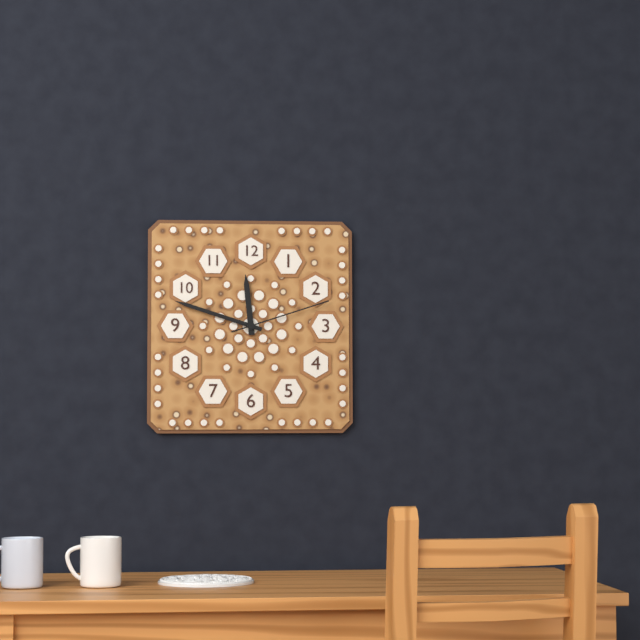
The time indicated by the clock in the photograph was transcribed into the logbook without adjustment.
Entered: 11:48:12
